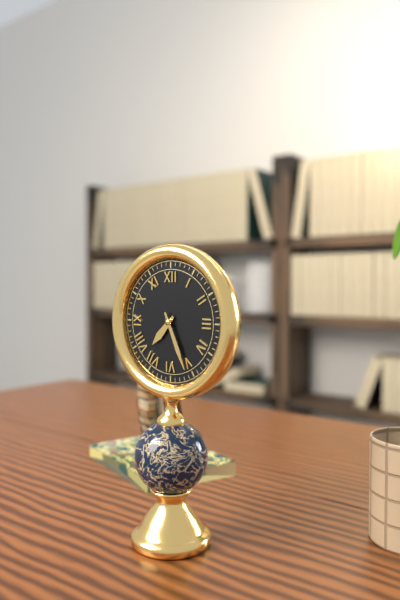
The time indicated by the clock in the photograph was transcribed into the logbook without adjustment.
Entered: 7:26
